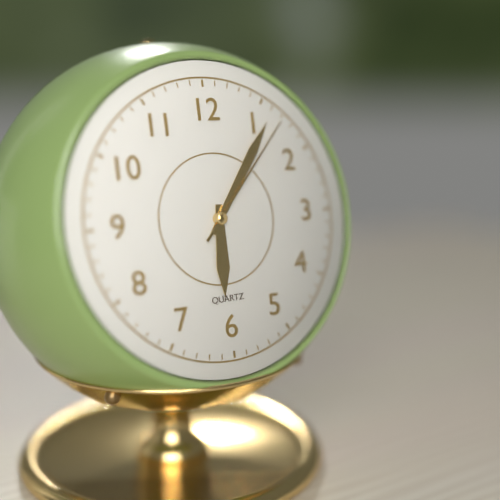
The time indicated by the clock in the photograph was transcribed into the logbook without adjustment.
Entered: 6:06:07
